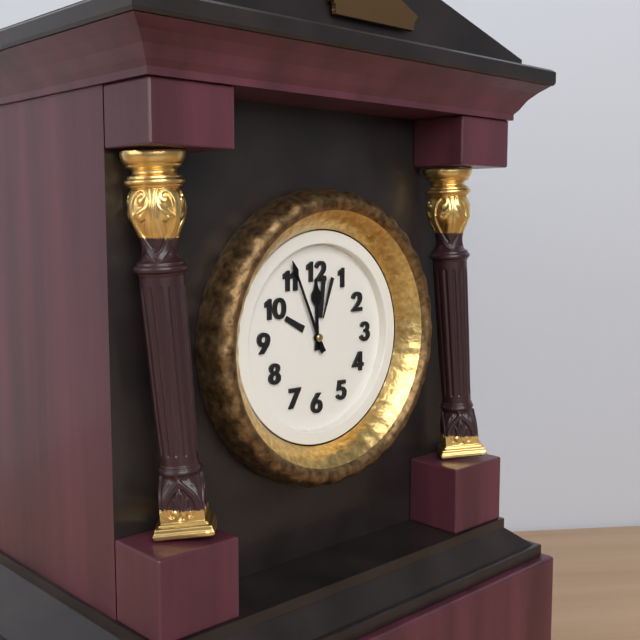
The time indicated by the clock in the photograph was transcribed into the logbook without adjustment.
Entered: 11:56
